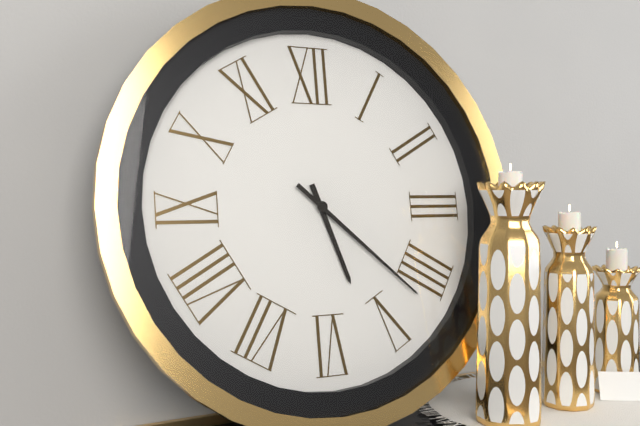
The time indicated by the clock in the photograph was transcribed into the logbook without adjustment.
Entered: 5:22
